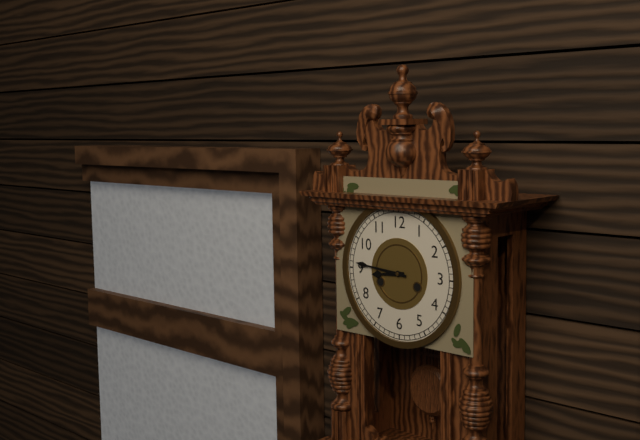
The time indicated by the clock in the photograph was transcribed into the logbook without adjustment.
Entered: 8:46
